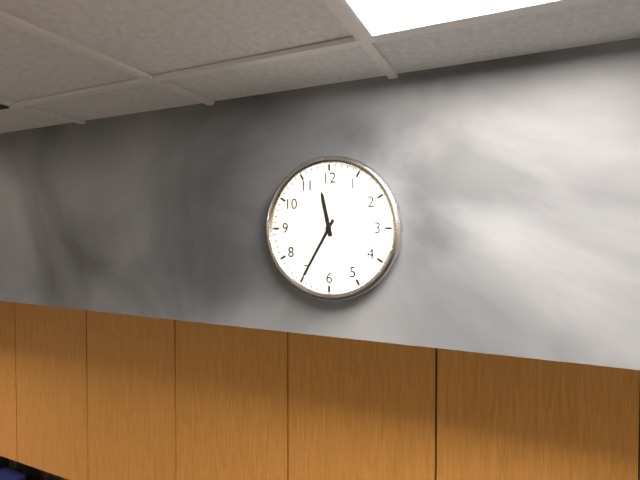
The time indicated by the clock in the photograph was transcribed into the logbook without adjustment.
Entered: 11:35
